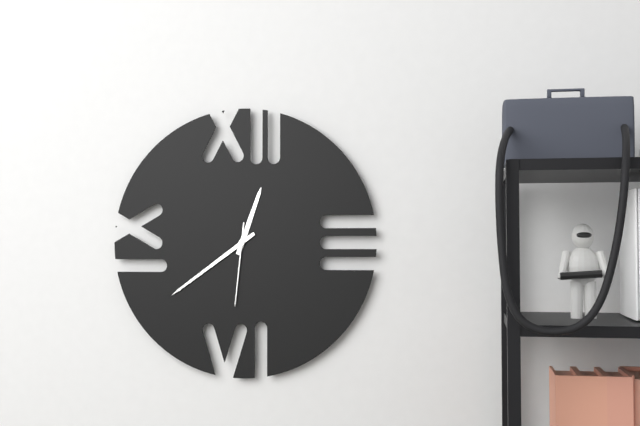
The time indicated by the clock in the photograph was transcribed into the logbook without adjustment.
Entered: 12:39:31
